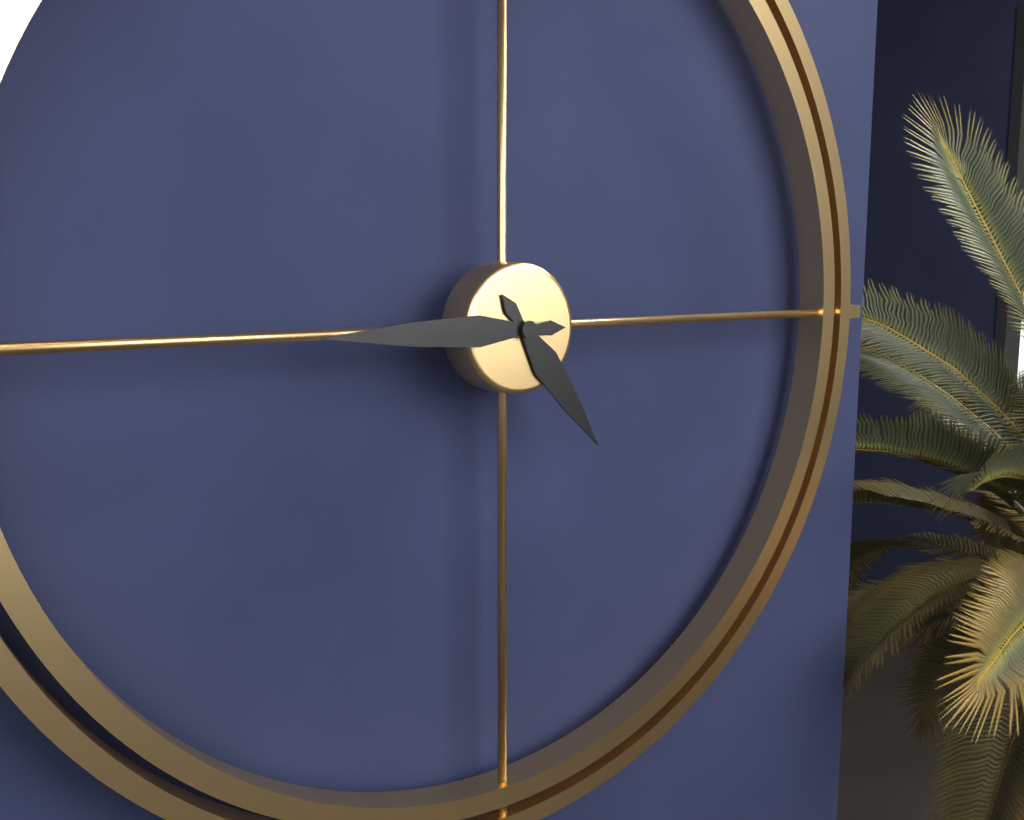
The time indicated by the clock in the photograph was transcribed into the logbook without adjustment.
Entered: 4:45
